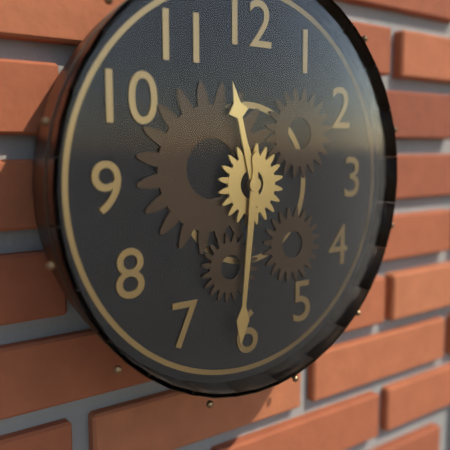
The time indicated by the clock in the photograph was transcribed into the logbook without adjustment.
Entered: 11:31
